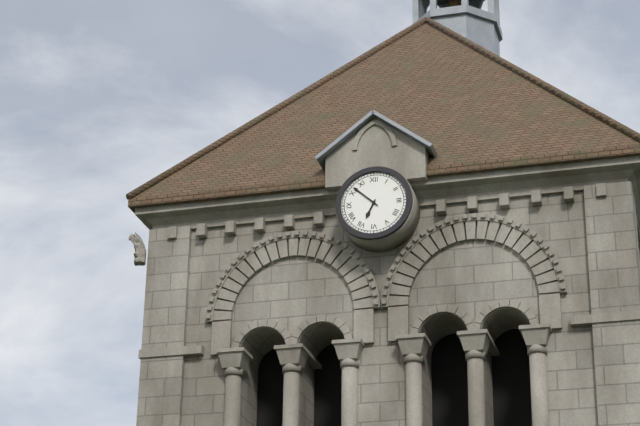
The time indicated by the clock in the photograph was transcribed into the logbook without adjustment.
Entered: 6:52
